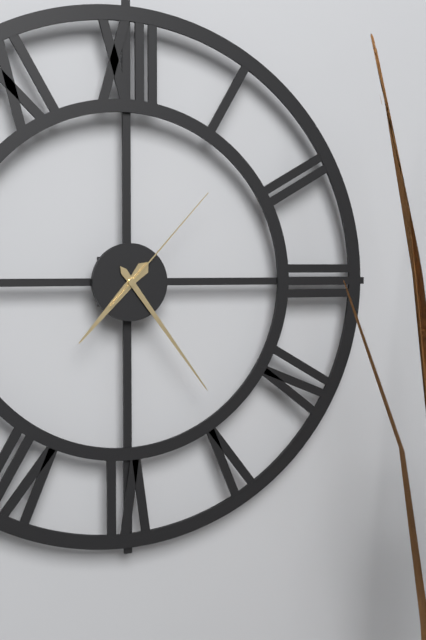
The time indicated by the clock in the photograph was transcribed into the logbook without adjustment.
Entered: 7:24:07
